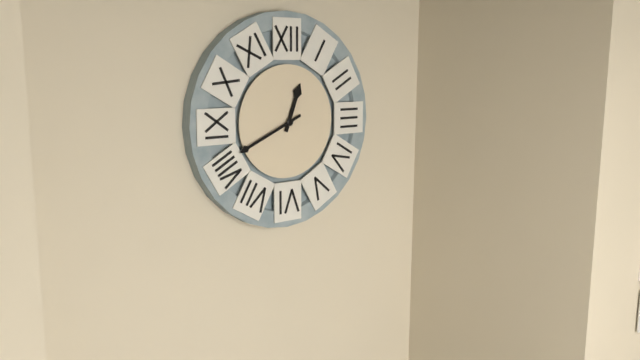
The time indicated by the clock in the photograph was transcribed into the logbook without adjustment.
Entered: 12:41
